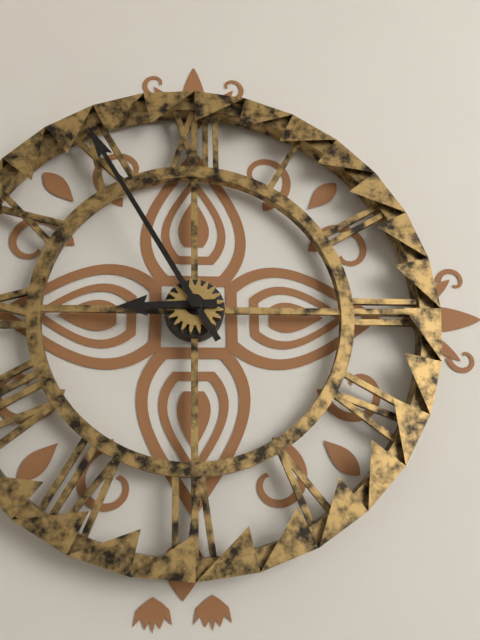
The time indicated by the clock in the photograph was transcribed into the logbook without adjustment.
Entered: 8:55
